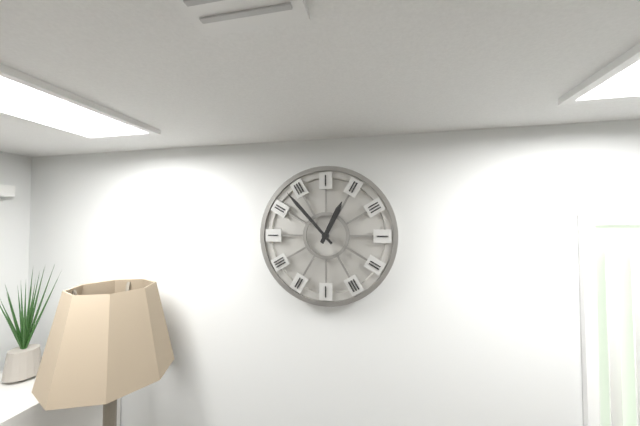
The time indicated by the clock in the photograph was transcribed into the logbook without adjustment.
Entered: 12:53
